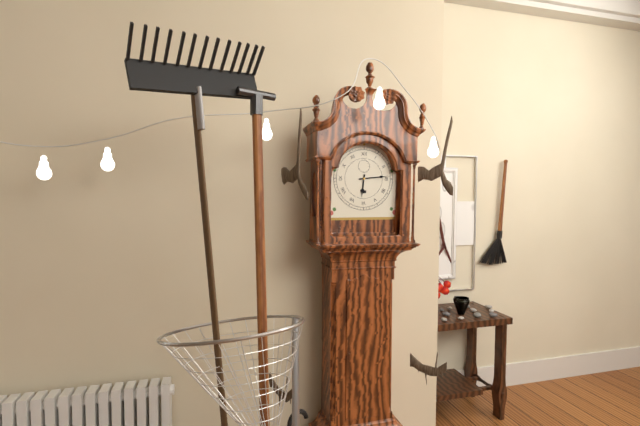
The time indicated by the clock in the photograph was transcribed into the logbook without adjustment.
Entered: 6:14
